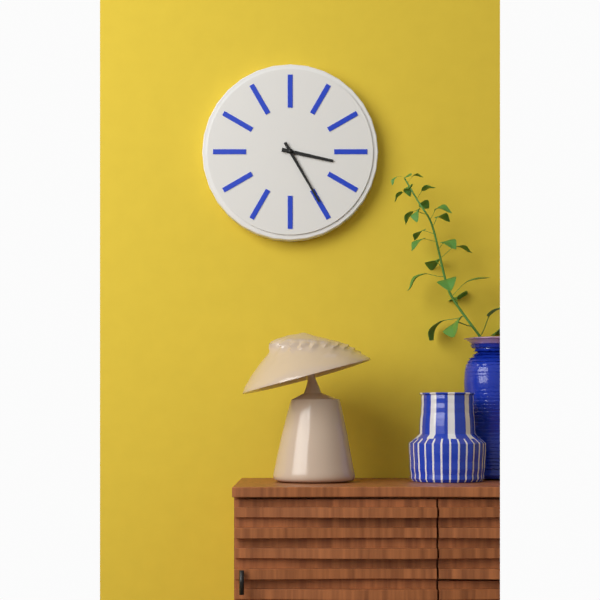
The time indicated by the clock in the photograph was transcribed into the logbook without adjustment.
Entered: 3:25
